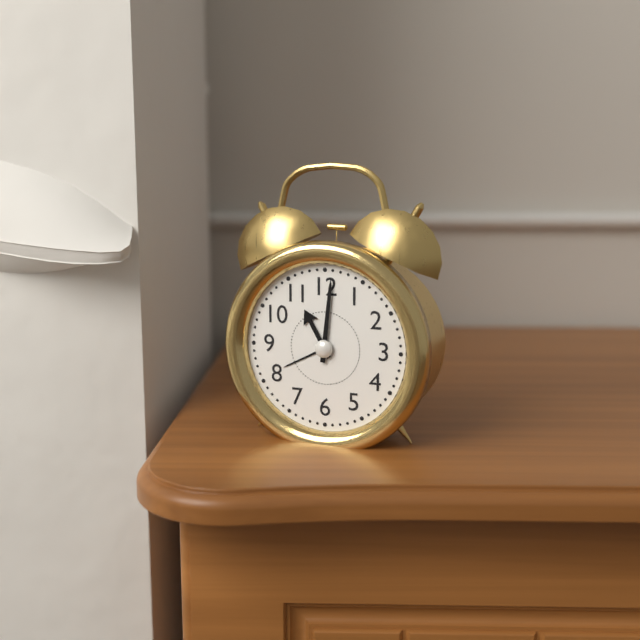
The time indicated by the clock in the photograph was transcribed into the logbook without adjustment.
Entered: 11:01
